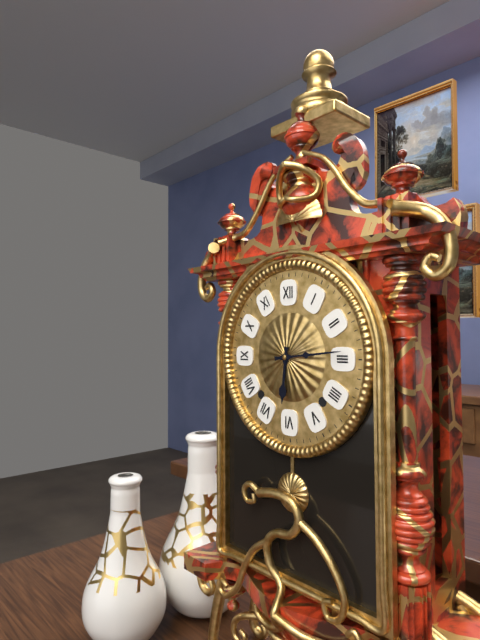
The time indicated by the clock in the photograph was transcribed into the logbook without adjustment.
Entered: 6:14
